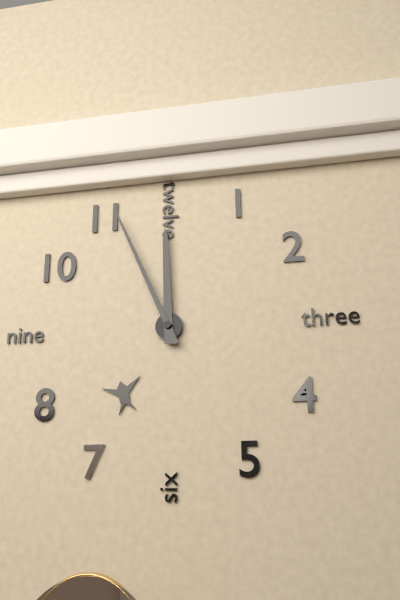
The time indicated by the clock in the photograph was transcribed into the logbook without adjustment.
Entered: 11:56
